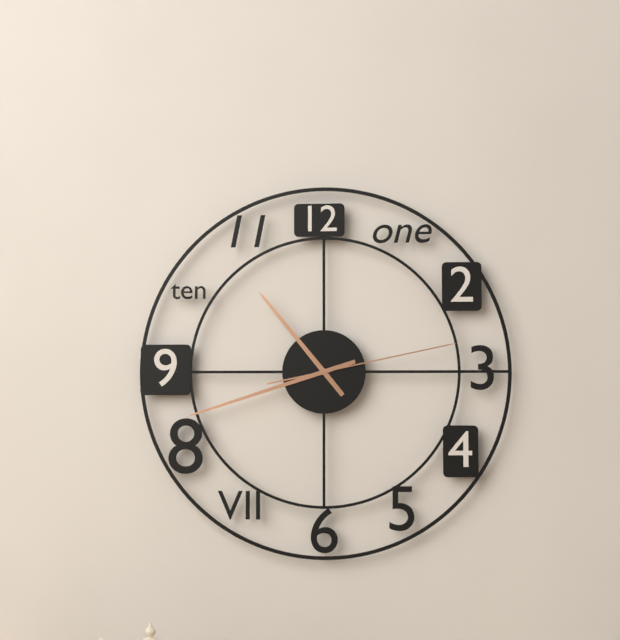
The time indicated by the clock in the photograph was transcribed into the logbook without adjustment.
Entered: 10:42:13
